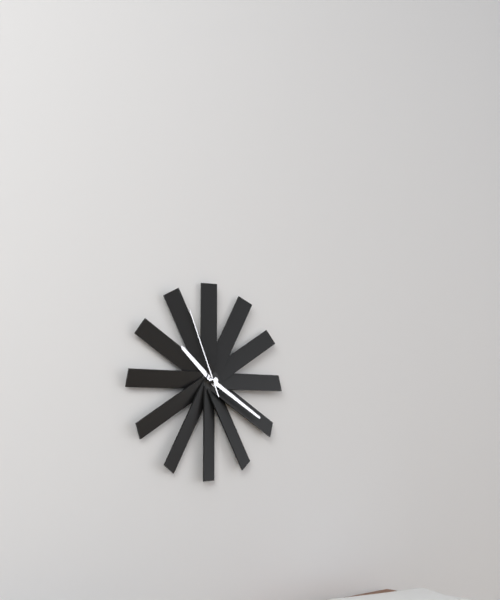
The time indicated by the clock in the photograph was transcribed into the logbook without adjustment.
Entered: 10:20:56
